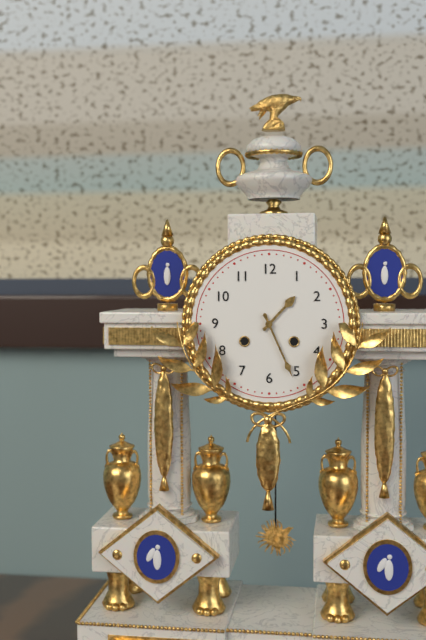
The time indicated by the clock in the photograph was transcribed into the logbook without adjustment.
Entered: 1:26
